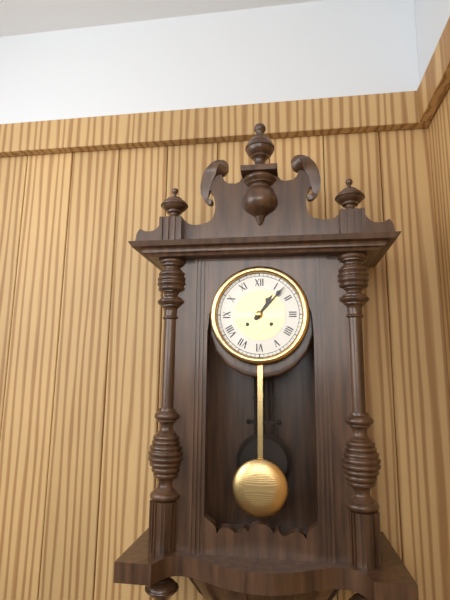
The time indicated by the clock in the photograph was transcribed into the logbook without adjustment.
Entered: 1:07
